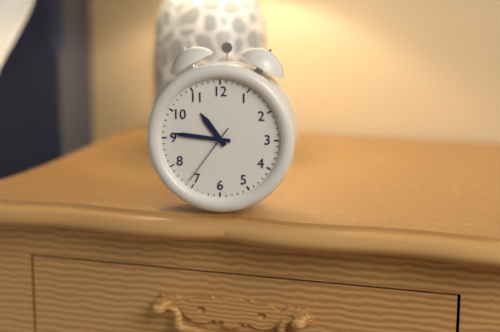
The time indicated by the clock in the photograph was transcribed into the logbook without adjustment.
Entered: 10:46:36
